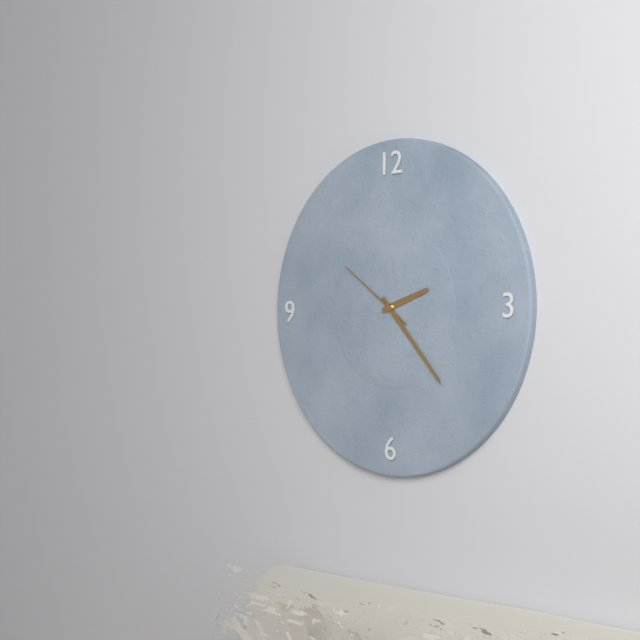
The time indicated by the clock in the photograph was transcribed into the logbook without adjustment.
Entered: 2:23:51
